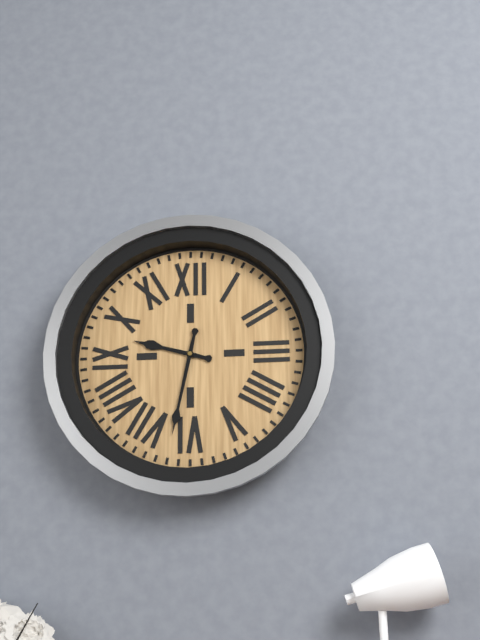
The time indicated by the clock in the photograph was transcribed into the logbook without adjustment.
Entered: 9:32
